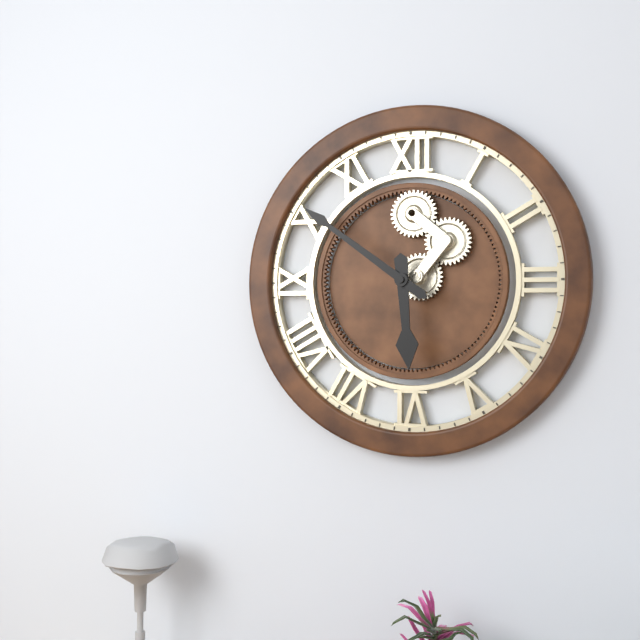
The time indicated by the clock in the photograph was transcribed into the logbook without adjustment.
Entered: 5:51
